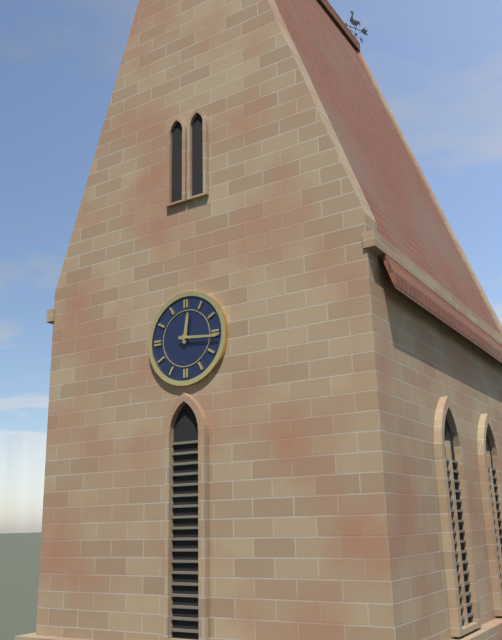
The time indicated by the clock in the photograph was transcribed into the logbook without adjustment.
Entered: 12:16
